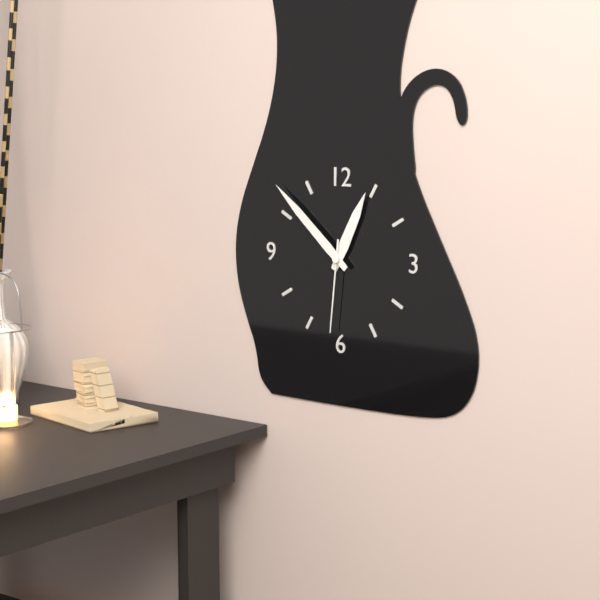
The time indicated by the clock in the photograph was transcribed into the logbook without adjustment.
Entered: 12:52:31
